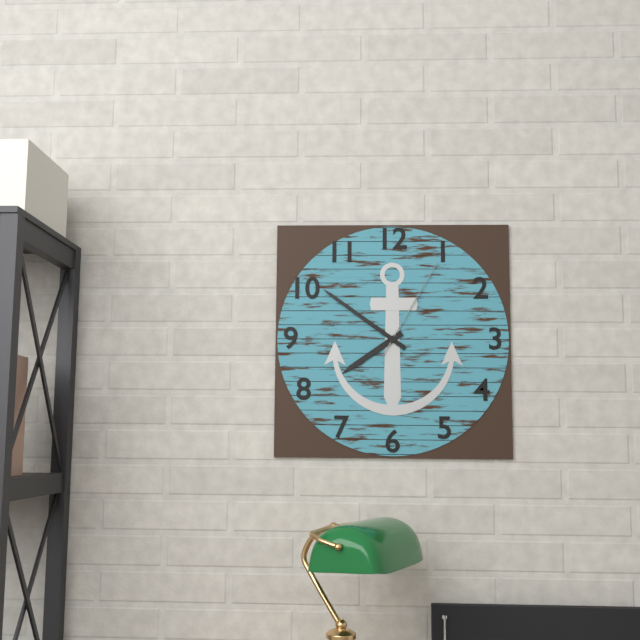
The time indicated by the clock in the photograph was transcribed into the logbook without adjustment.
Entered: 7:51:05
